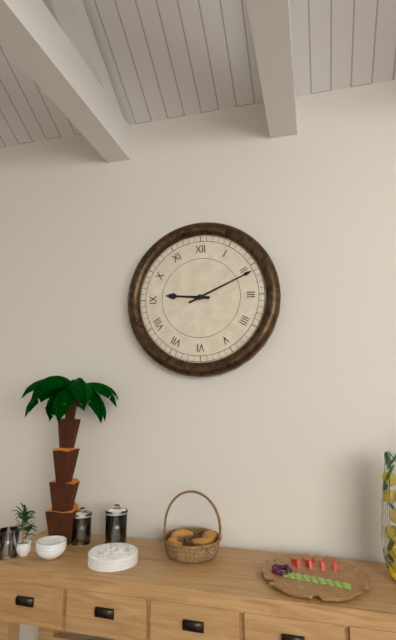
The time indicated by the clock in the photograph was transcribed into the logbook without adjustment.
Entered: 9:11
